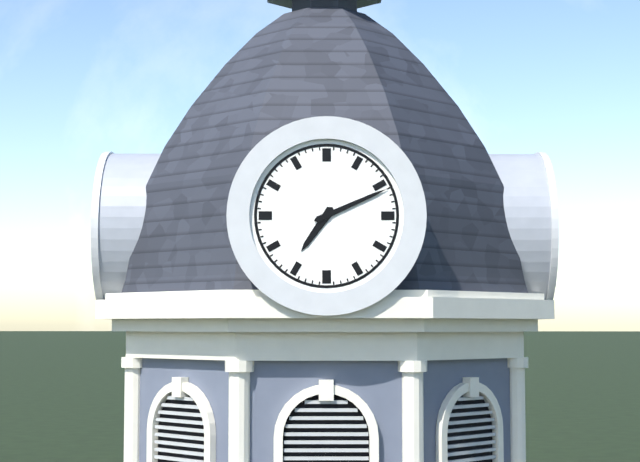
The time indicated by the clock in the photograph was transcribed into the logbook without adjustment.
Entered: 7:11
